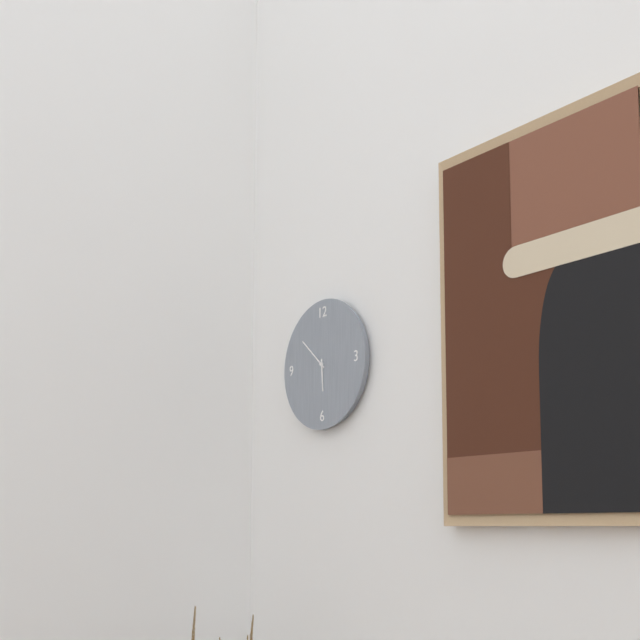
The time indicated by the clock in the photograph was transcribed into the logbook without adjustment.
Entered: 5:52
